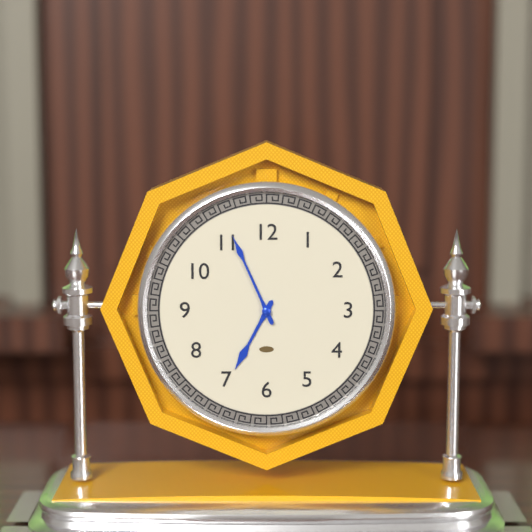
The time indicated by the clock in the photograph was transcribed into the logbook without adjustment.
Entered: 6:56
